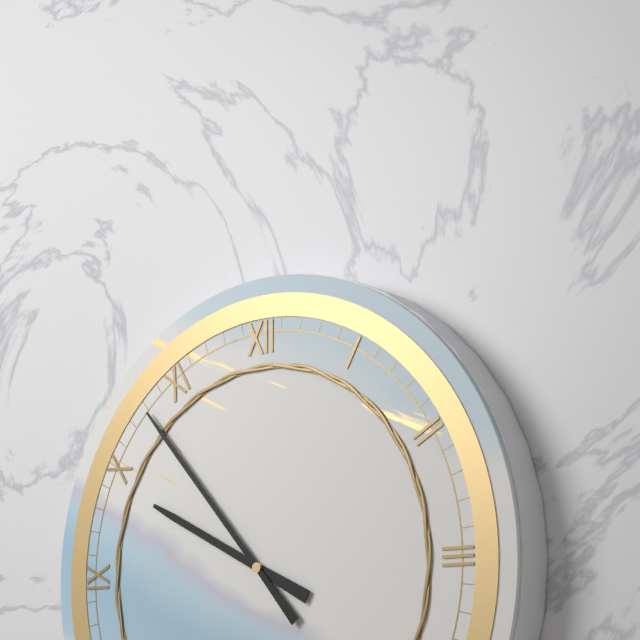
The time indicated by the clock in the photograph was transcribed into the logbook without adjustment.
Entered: 9:53
